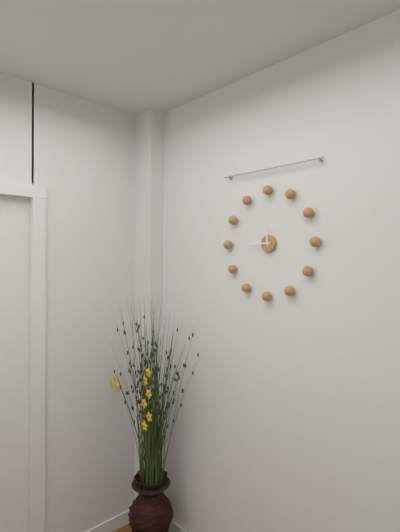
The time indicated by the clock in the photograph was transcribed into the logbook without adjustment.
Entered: 11:45
